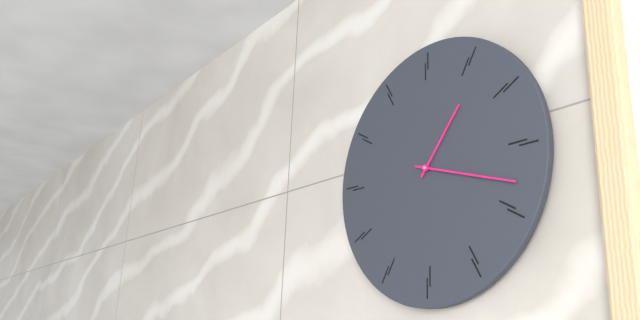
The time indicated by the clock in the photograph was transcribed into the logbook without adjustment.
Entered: 1:18
